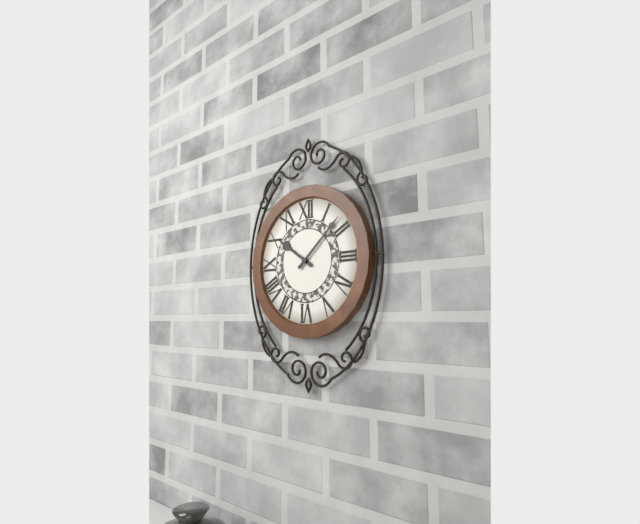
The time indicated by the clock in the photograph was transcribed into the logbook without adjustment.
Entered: 10:08
